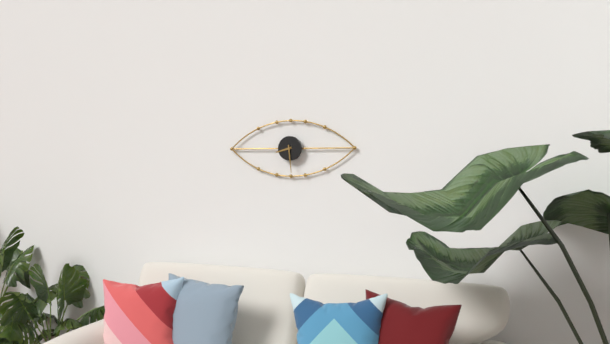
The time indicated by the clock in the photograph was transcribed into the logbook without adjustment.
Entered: 8:29
